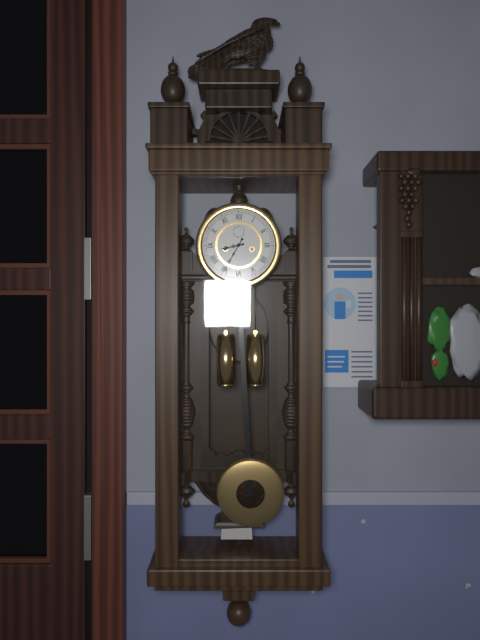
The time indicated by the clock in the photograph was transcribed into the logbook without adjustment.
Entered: 8:35
